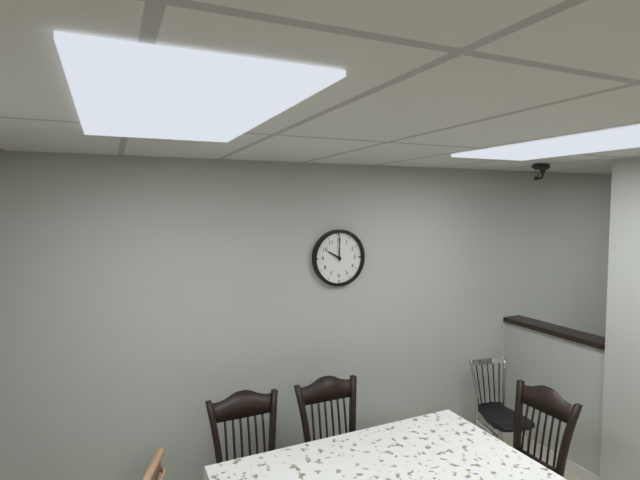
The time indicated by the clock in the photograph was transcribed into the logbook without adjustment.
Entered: 10:00
